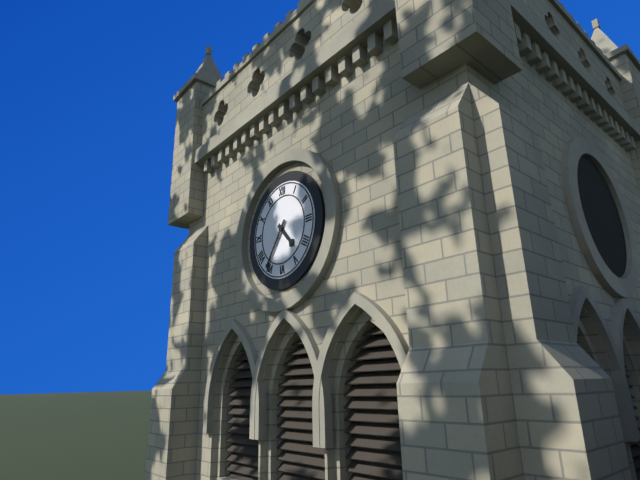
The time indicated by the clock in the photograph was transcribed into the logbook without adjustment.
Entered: 4:36
